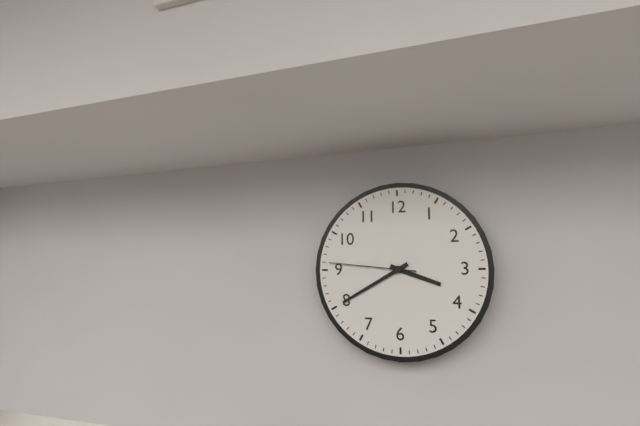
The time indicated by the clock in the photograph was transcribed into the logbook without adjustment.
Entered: 3:40:46
